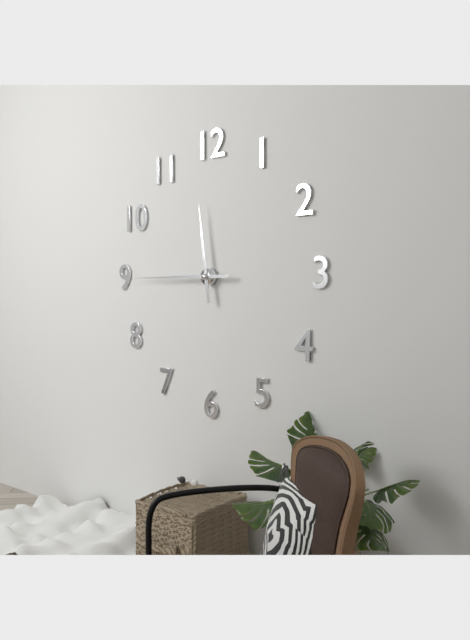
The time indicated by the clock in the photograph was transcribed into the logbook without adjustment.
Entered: 11:45
